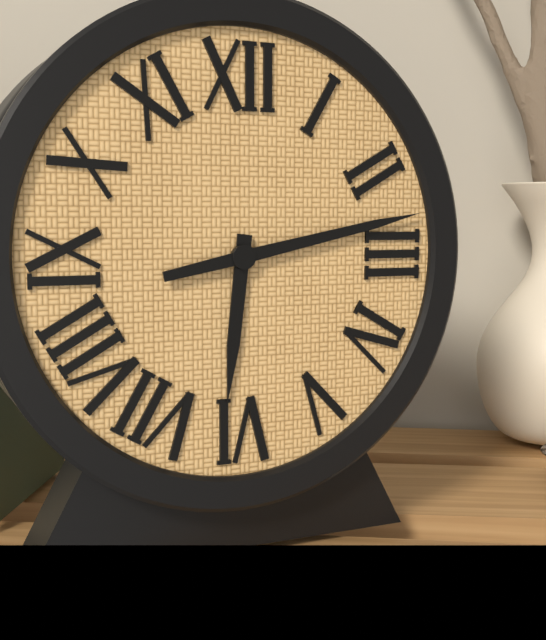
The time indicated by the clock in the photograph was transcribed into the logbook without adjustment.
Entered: 6:13
